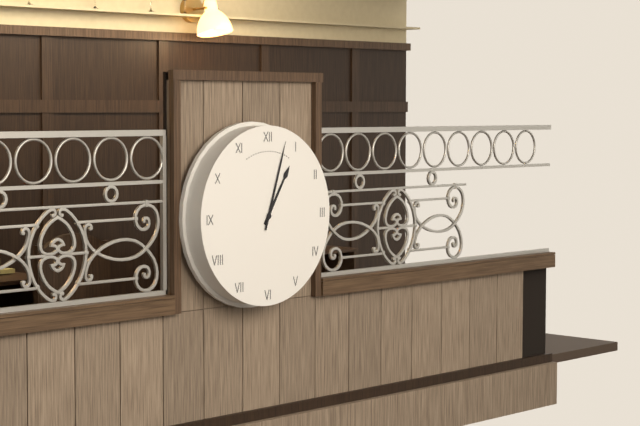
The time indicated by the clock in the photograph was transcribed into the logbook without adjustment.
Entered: 1:03
